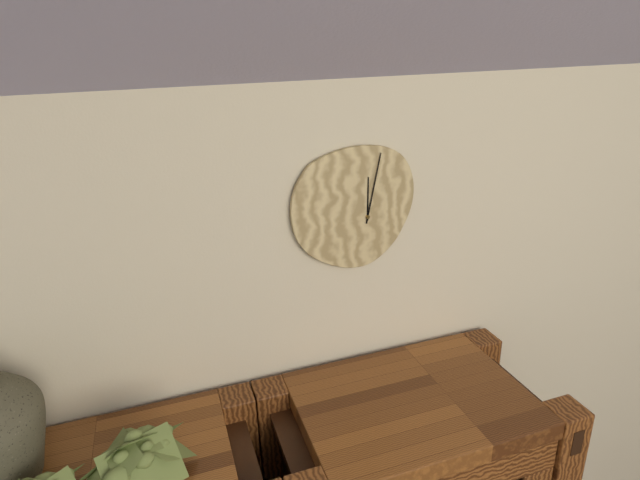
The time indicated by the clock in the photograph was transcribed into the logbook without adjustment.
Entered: 12:02
